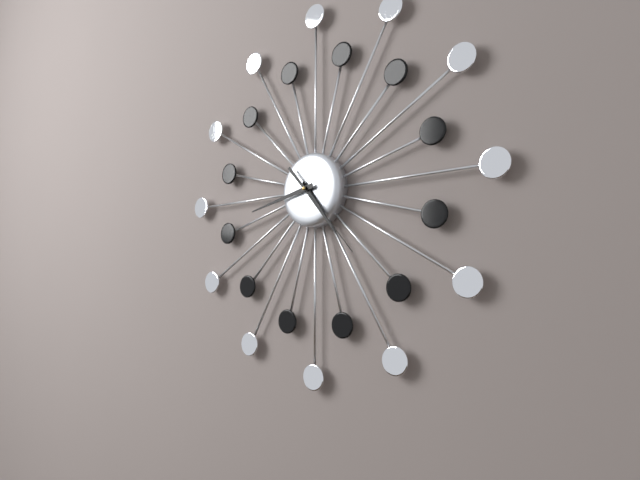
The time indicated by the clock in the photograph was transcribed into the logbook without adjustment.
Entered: 4:43:23
